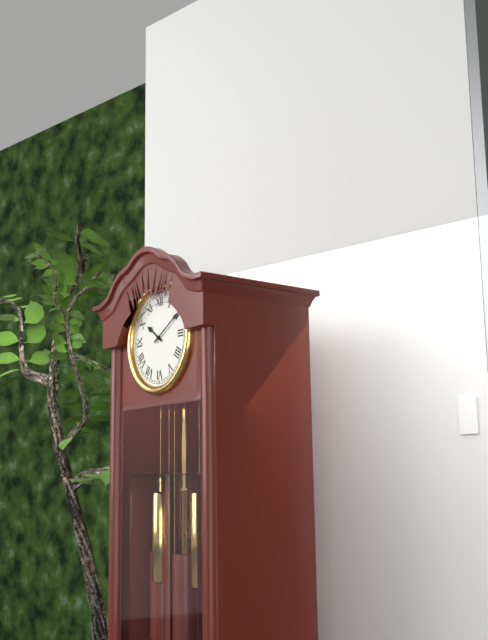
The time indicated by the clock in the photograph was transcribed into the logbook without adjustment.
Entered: 10:10
